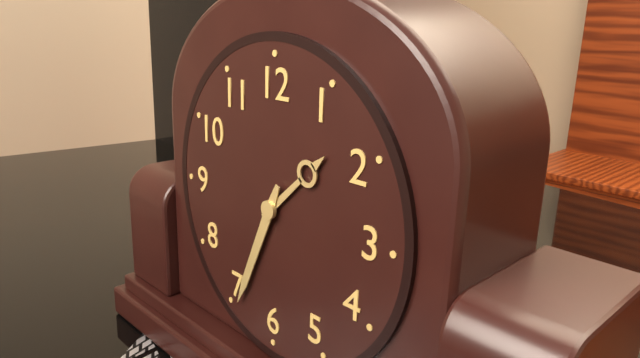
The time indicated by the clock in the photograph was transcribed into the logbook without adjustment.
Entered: 1:34
